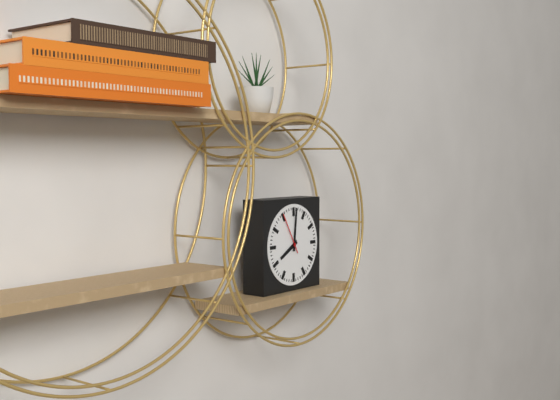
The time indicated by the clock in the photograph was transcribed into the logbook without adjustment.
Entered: 8:01
